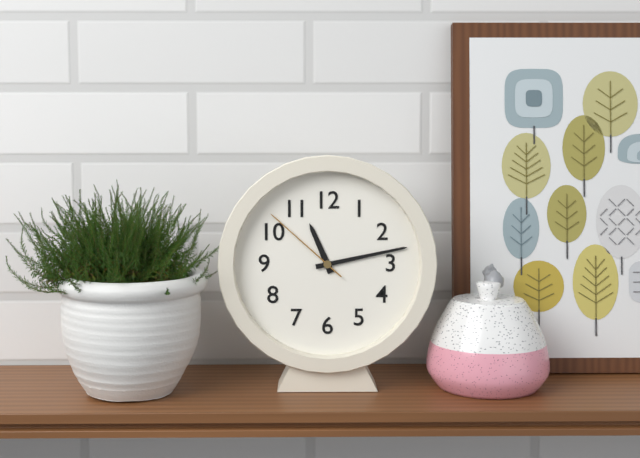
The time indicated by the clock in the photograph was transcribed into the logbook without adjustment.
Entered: 11:13:52
